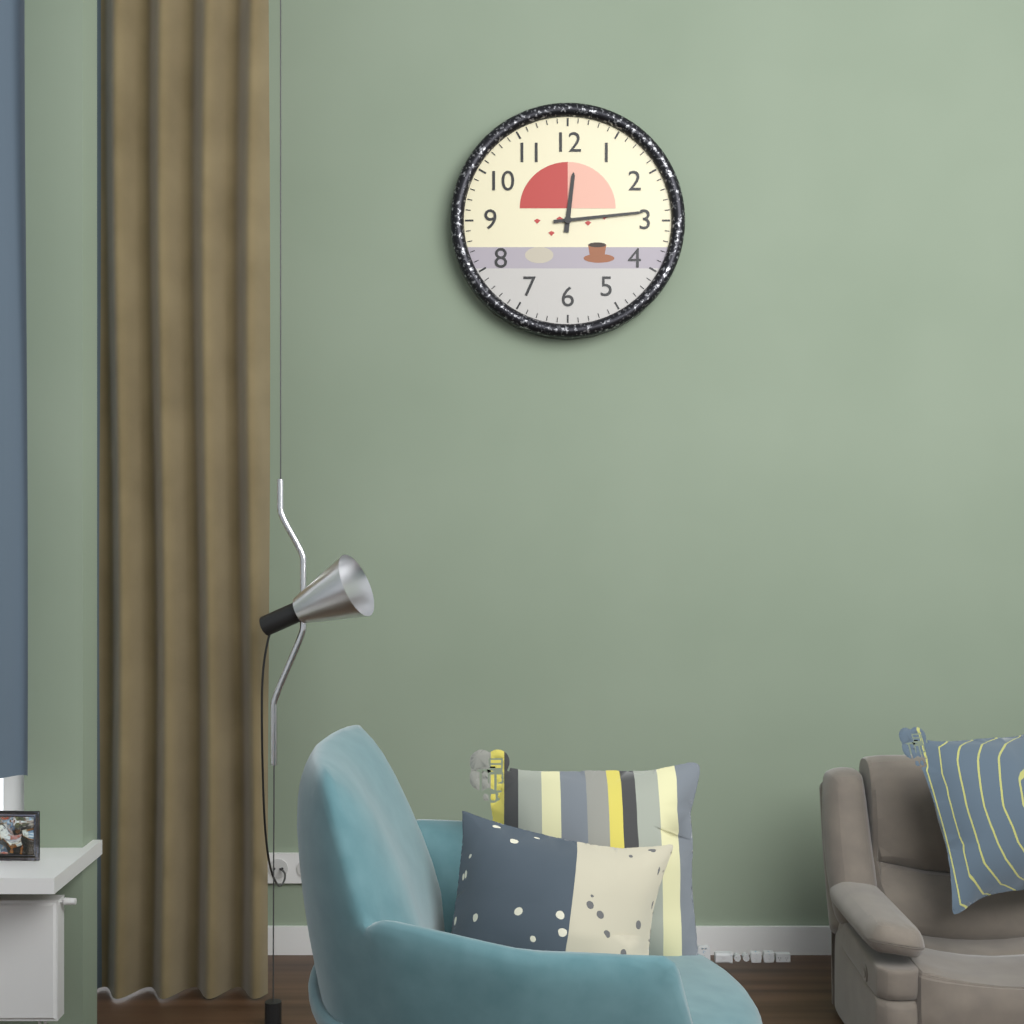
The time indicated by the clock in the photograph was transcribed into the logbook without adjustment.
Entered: 12:14
